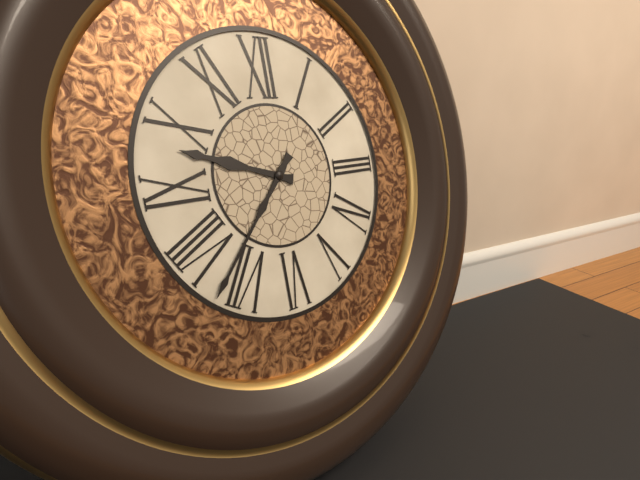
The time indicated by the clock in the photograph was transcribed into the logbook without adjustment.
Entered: 9:37
